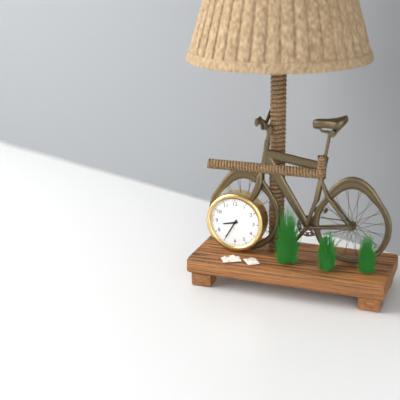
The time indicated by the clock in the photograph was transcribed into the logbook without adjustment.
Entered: 8:35
